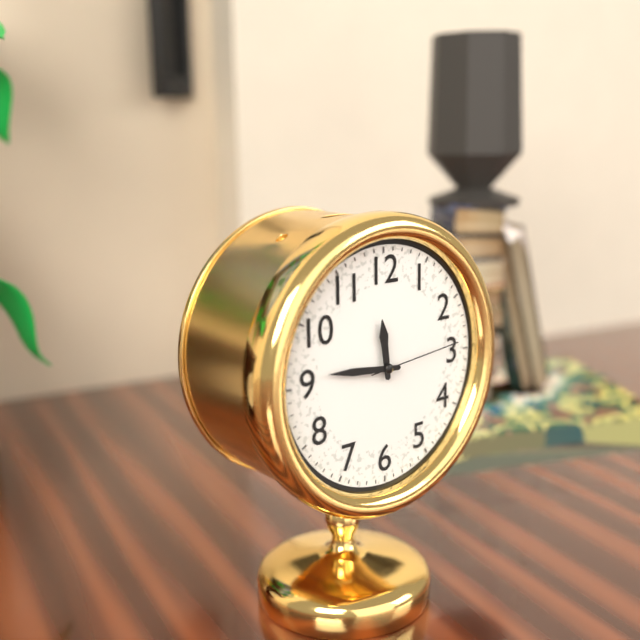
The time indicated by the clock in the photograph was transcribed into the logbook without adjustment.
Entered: 11:46:14
